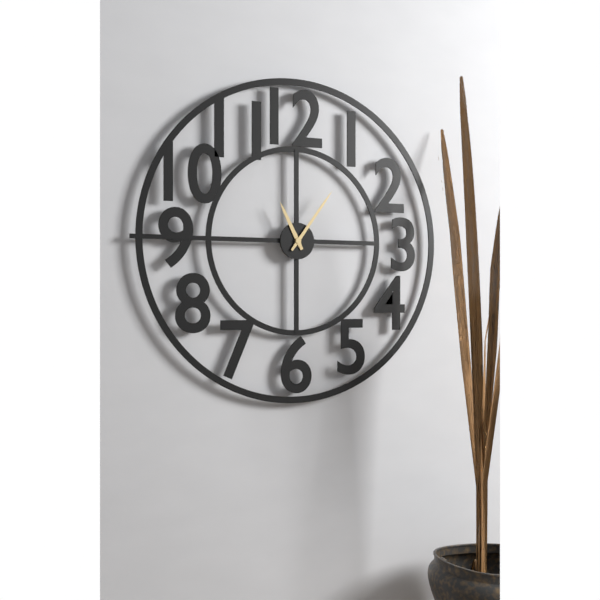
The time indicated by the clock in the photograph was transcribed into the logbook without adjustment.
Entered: 11:06
